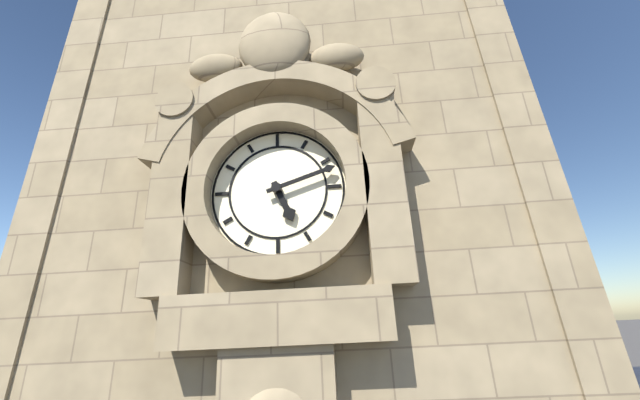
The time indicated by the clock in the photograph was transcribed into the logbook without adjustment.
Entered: 5:12
